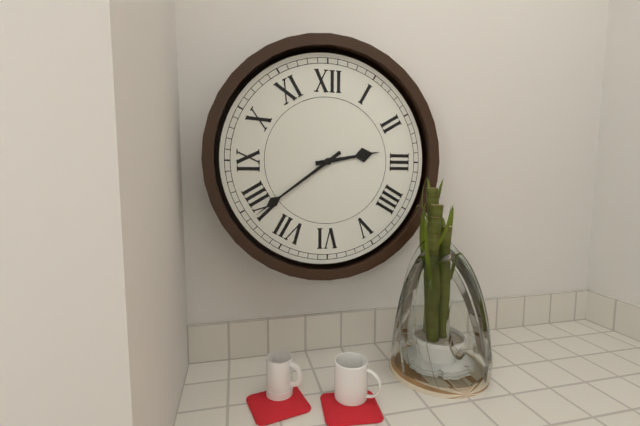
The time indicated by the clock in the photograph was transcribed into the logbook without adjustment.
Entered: 2:39
